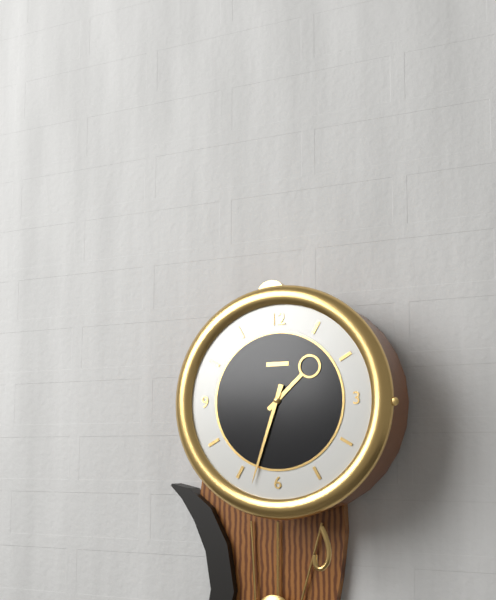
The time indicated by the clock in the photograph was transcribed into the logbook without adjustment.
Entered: 1:33
